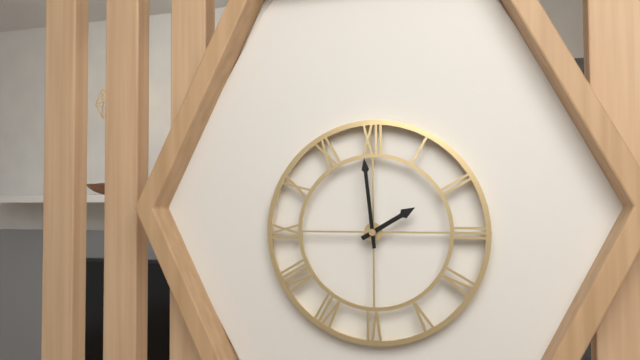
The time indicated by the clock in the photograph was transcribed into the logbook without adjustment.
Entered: 1:59
